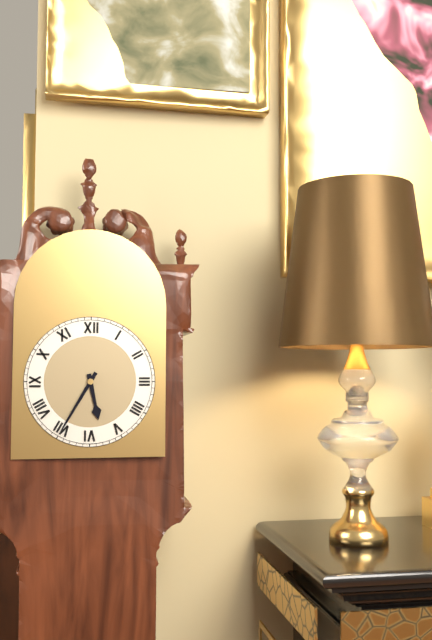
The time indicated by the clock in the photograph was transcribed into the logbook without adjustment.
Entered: 5:35
